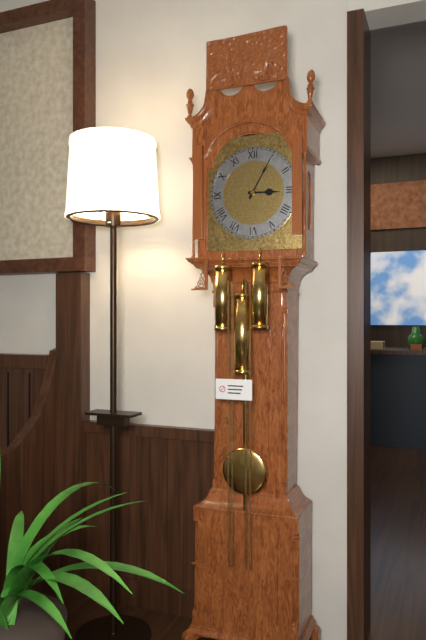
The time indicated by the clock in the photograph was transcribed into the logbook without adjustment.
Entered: 3:05
